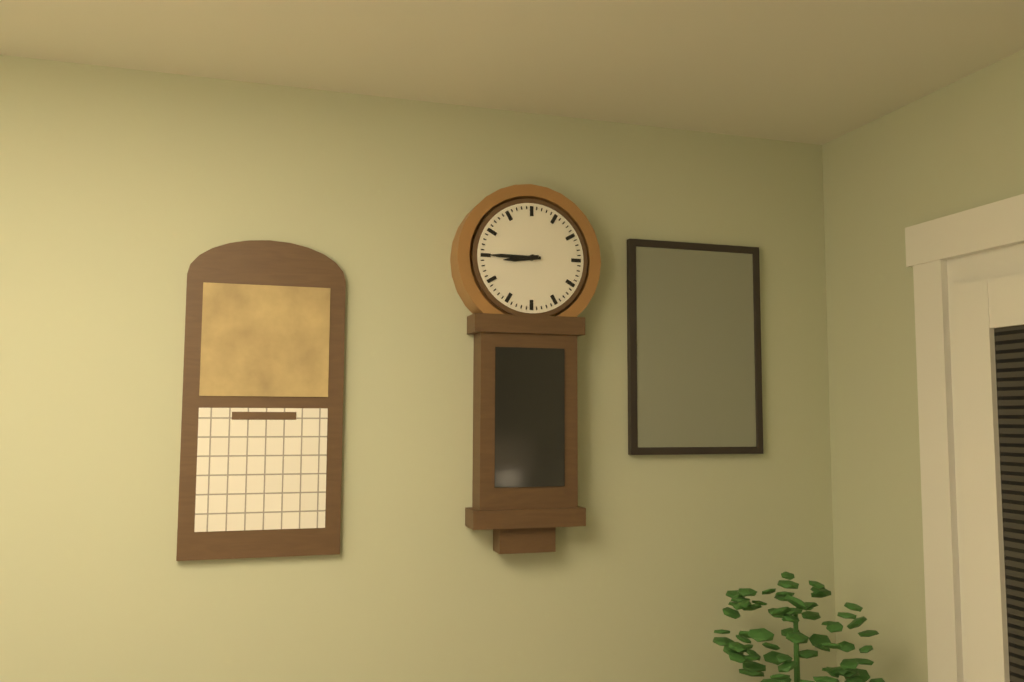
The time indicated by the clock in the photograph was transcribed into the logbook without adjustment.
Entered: 8:45
